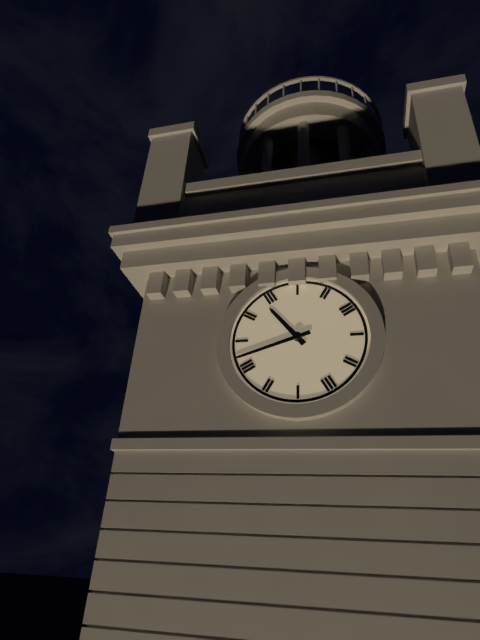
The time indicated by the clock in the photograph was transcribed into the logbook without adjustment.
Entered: 10:42
